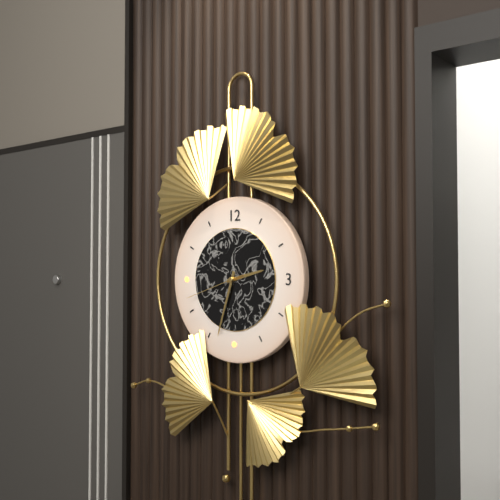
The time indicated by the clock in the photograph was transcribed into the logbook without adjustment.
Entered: 2:33:42
